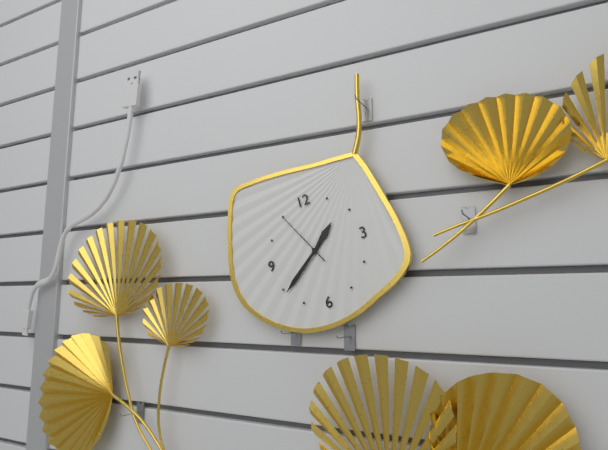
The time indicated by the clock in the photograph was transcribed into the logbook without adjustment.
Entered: 1:39:55
